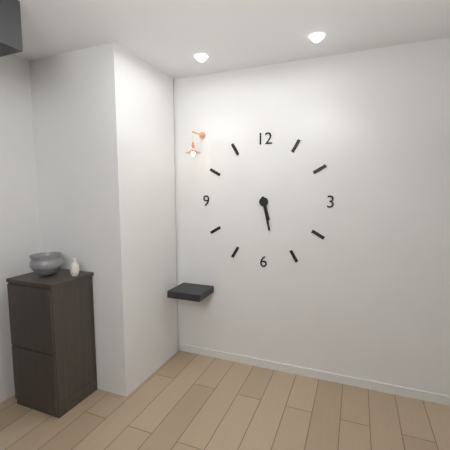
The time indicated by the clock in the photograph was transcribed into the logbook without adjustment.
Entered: 5:28
